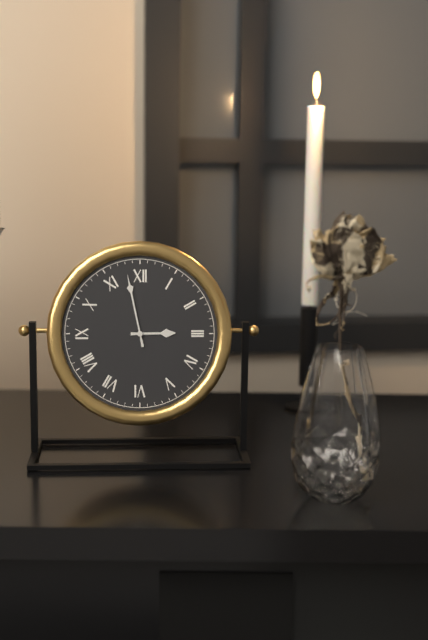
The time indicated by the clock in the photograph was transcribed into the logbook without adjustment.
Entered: 2:58
